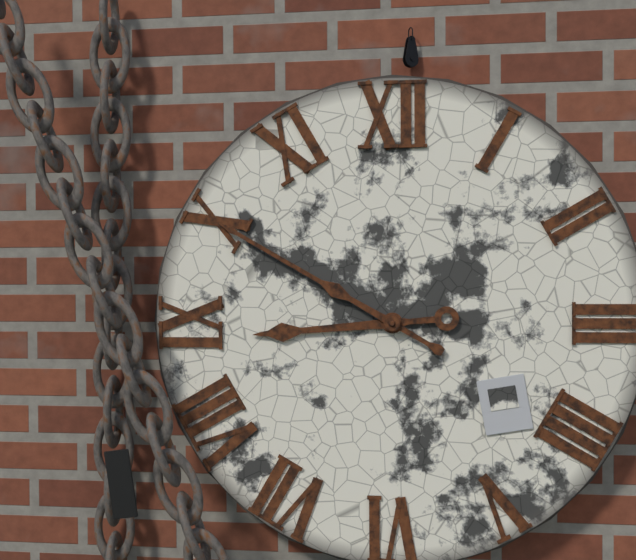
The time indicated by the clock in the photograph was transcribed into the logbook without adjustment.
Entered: 8:50
